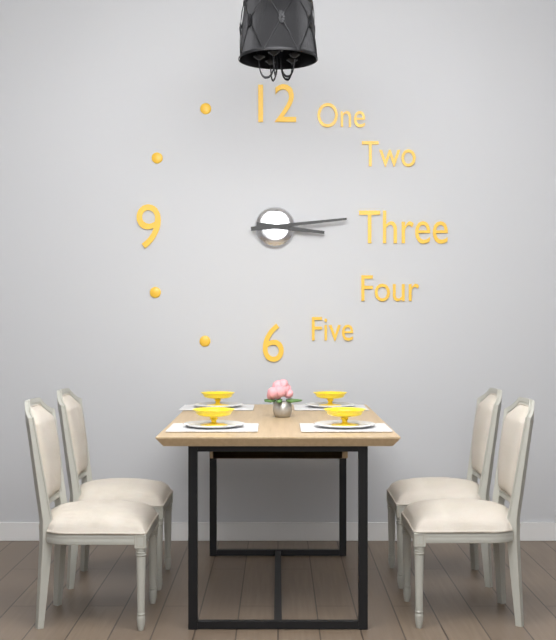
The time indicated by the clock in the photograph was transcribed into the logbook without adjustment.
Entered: 3:14
